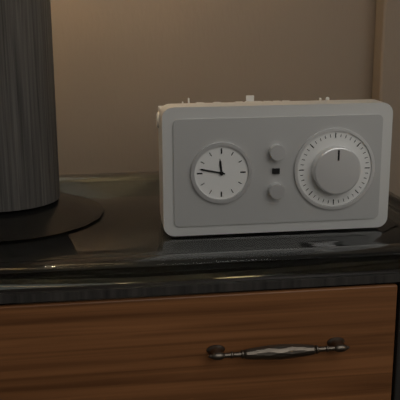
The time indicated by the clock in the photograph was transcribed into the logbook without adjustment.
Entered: 11:47
